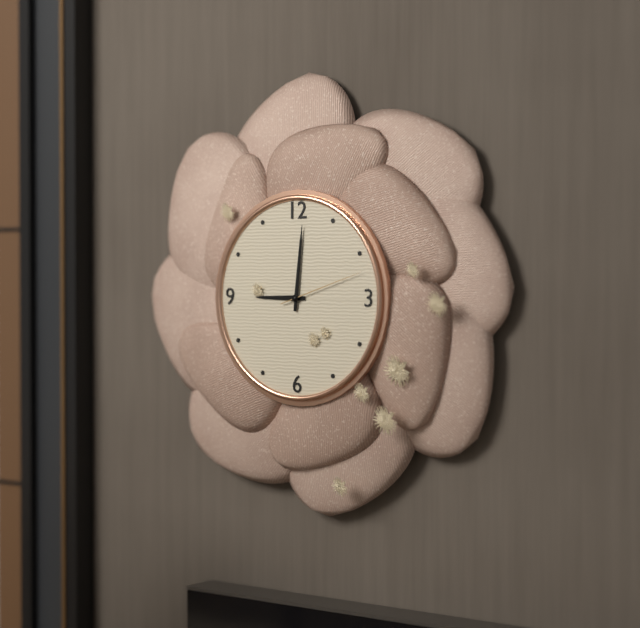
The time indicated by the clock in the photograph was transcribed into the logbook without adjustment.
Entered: 9:01:12
